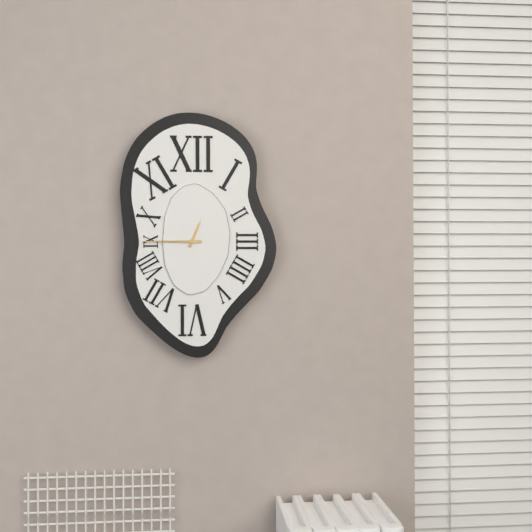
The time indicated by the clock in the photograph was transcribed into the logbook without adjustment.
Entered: 12:45
